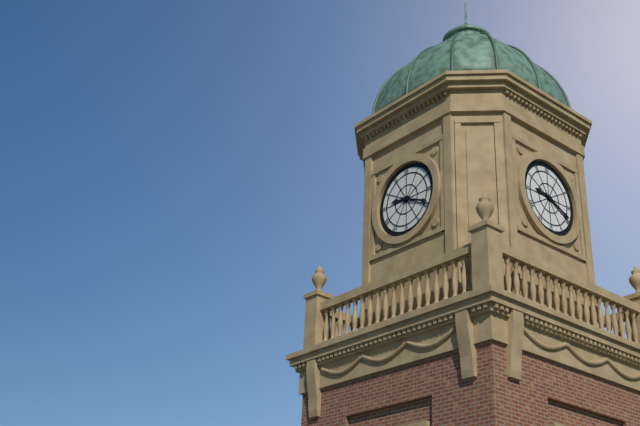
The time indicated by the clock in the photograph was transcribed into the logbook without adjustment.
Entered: 9:19
